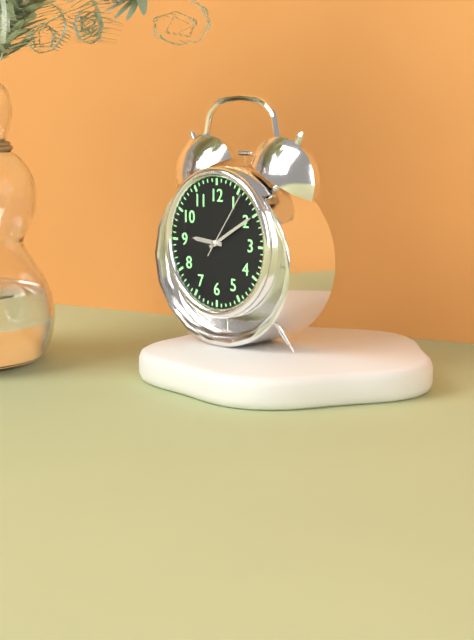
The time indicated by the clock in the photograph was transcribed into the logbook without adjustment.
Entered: 9:10:06
